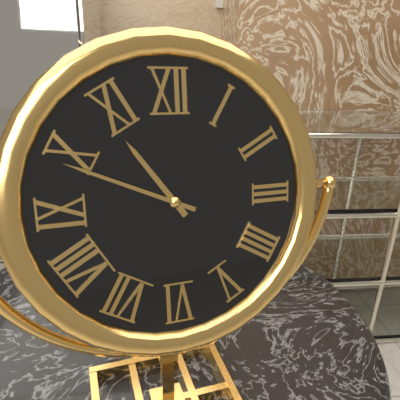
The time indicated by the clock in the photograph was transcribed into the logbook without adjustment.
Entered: 10:49
